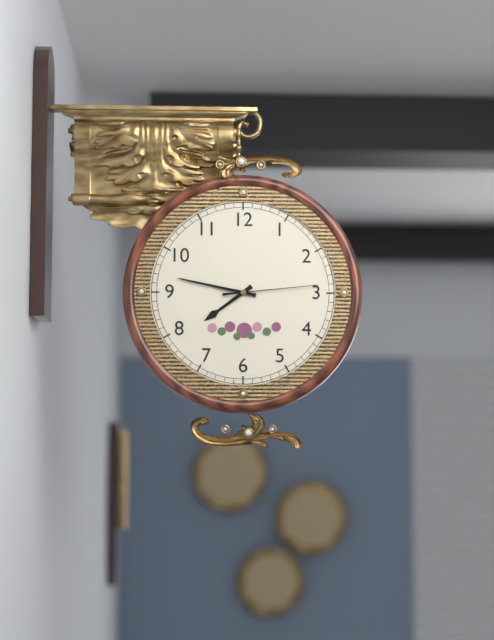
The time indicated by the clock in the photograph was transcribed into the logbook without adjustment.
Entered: 7:47:14
